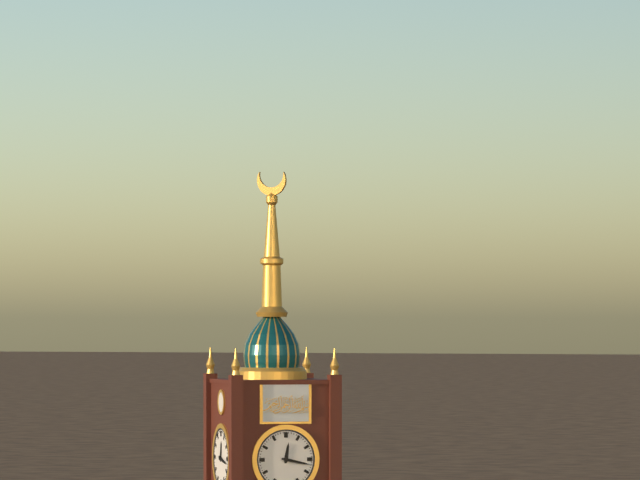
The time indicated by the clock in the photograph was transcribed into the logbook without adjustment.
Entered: 12:17
